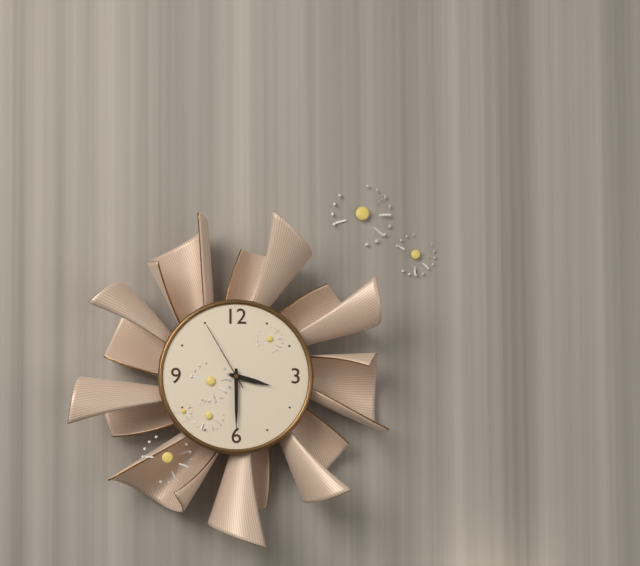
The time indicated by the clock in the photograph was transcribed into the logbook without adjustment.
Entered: 3:30:55
